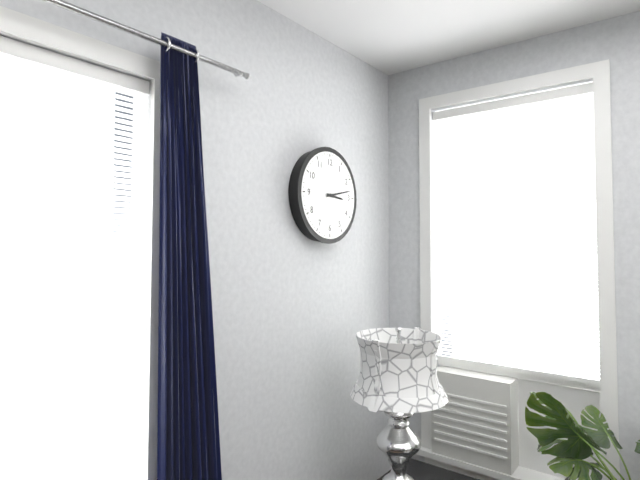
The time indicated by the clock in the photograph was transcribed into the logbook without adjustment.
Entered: 3:13
